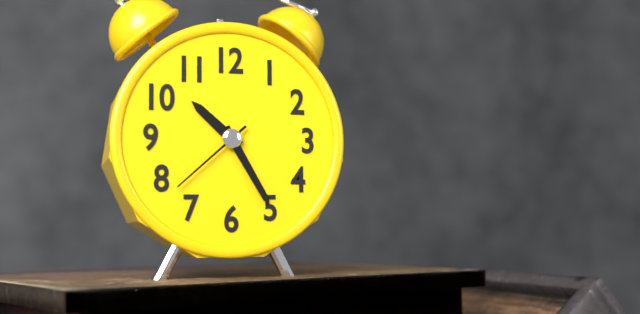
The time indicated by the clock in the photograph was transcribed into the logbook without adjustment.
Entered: 10:25:38
